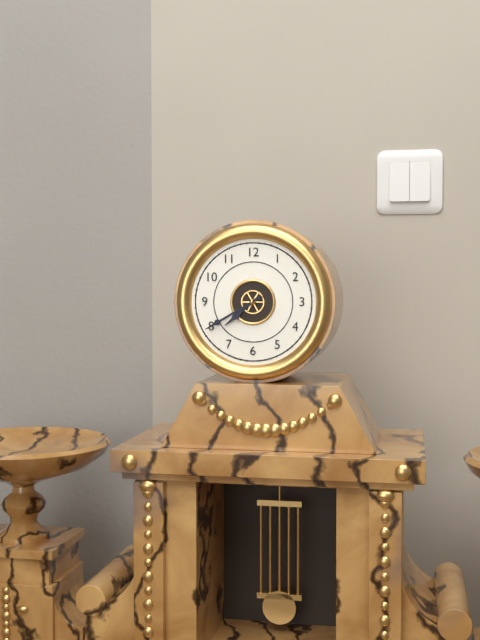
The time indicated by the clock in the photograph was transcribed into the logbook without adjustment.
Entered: 7:40
